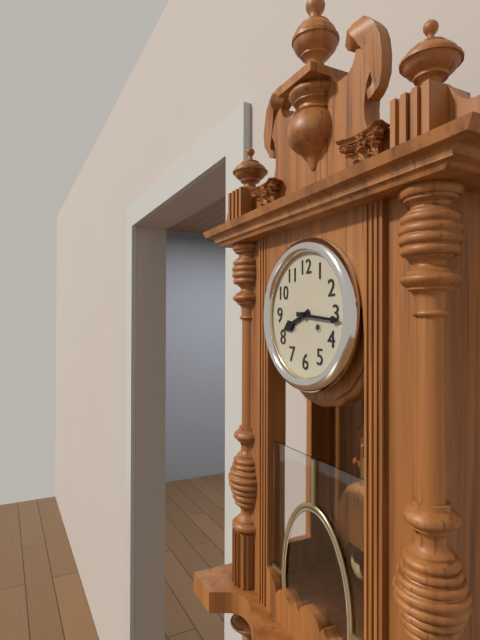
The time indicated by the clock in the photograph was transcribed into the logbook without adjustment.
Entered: 8:16
